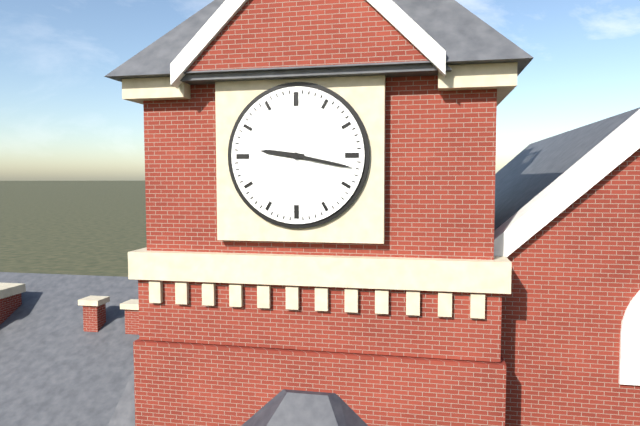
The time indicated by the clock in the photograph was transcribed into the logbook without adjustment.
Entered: 9:17
